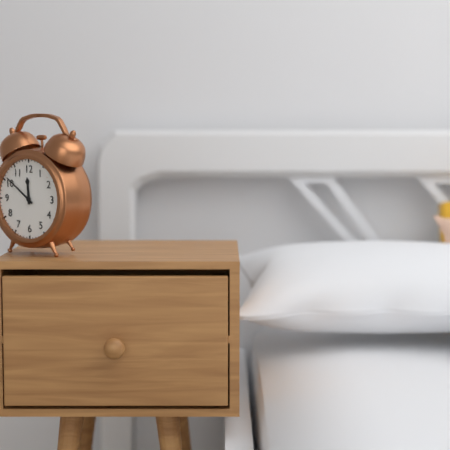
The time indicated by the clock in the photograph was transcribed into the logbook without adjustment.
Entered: 11:51
